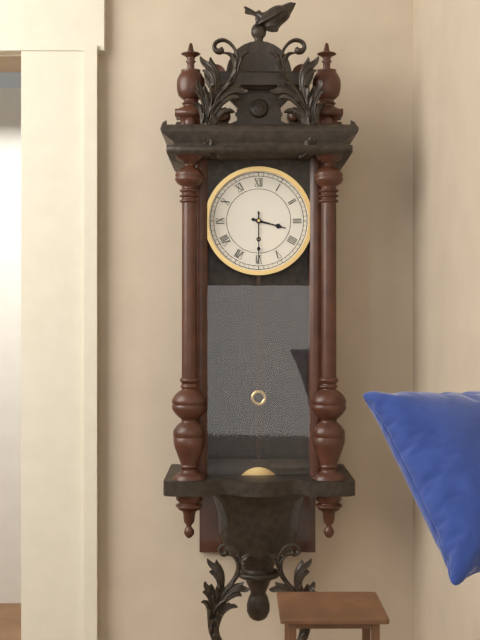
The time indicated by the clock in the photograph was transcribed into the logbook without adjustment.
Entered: 3:30
